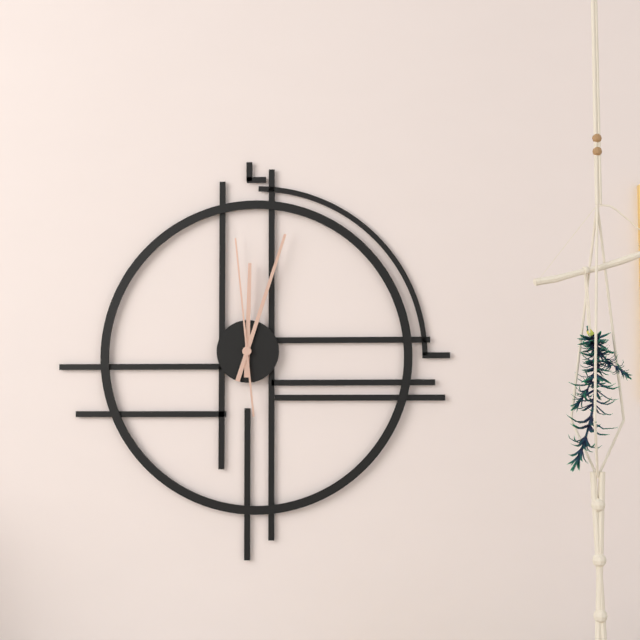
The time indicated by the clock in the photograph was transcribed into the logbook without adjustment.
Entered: 12:03:59
